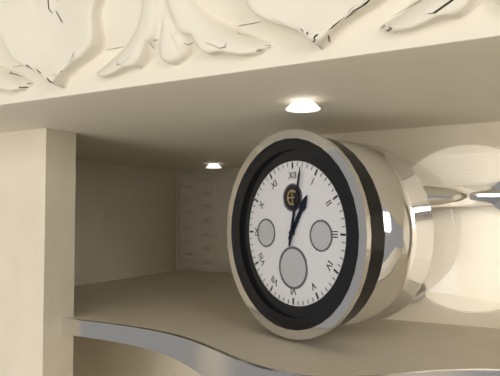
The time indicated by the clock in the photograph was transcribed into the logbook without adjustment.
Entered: 1:02
